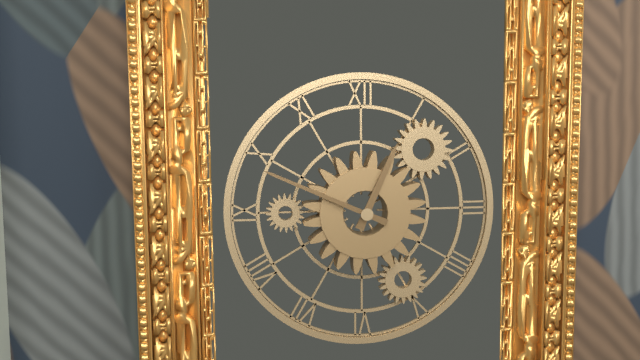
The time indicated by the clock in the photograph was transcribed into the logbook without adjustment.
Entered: 12:49
